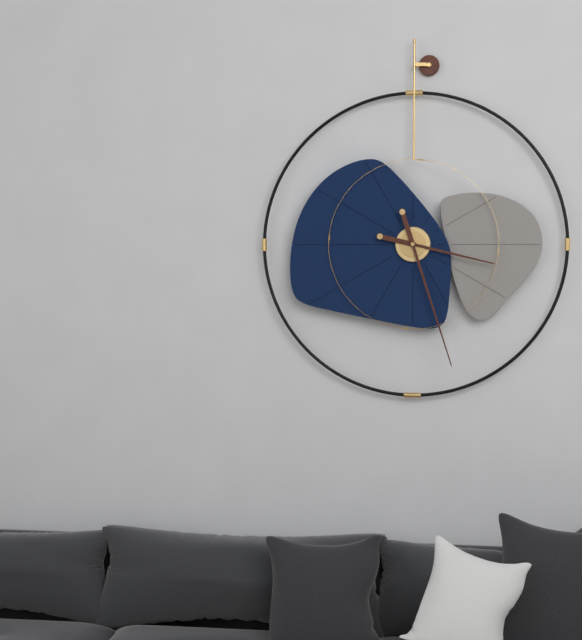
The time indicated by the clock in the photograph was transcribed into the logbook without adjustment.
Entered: 3:27
